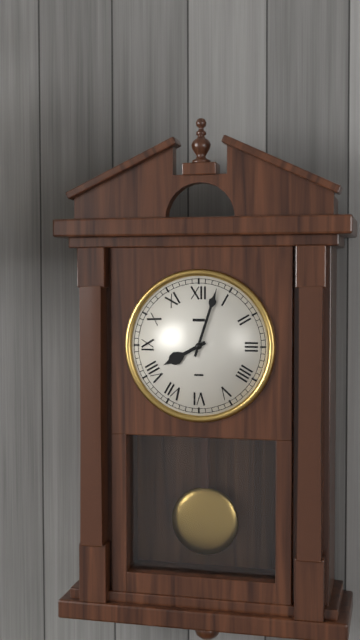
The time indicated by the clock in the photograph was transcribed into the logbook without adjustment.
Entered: 8:03
